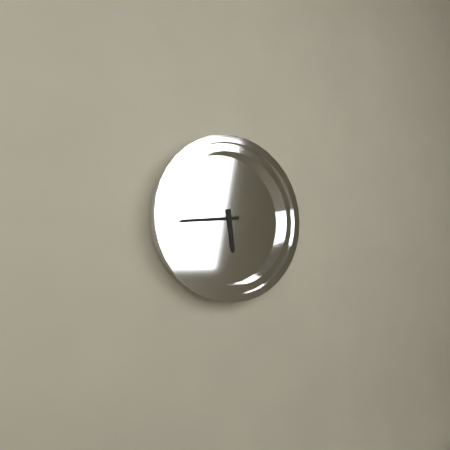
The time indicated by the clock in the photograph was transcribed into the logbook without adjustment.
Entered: 5:44
